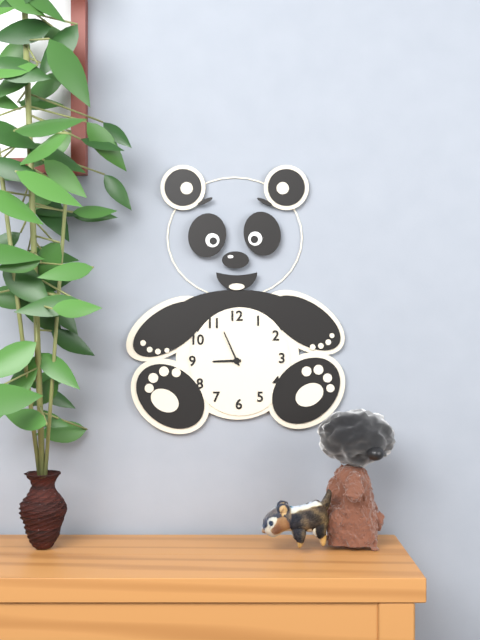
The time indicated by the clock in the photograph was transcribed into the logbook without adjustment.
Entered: 8:56
